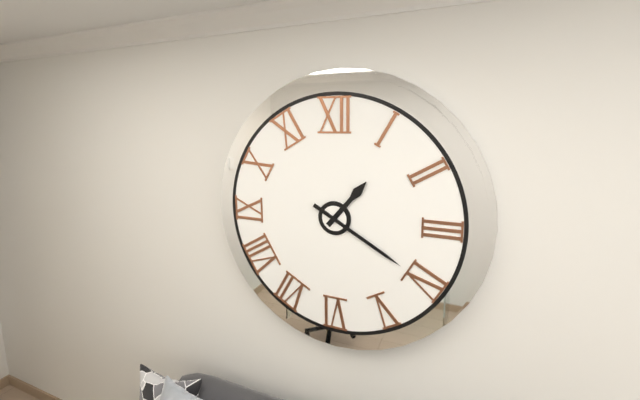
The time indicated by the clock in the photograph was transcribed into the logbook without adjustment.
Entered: 1:20
